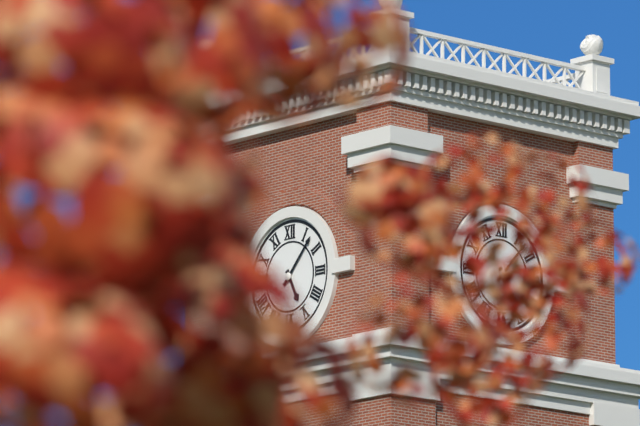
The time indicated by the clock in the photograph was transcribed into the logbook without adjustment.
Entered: 5:07
